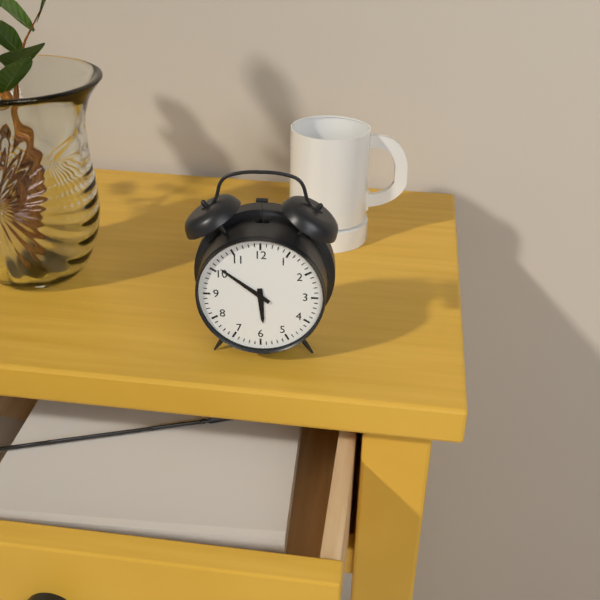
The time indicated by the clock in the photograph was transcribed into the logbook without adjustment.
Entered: 5:51
